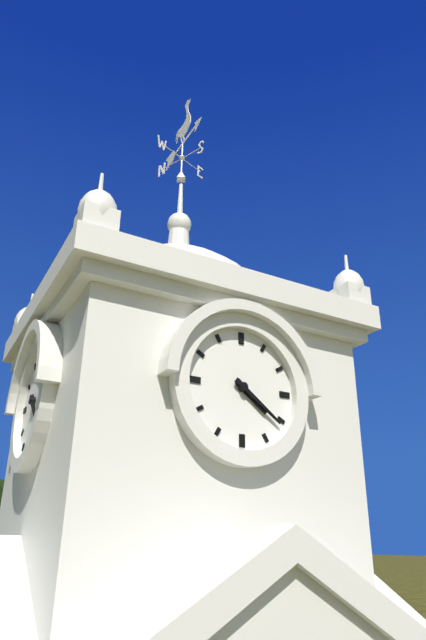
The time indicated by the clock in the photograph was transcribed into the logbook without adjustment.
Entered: 4:21
